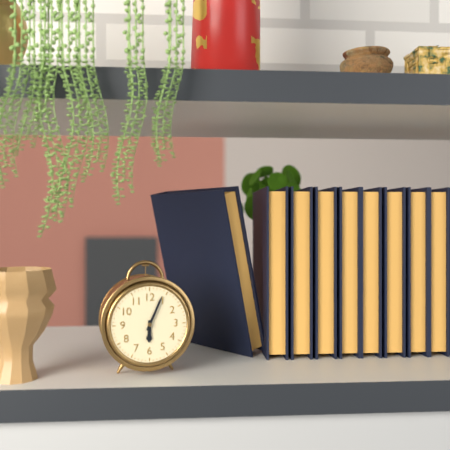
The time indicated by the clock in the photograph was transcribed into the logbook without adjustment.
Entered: 6:04
